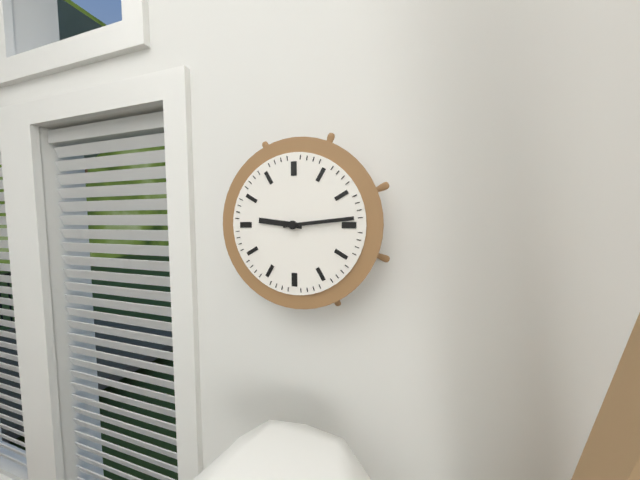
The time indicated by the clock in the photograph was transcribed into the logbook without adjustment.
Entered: 9:14
